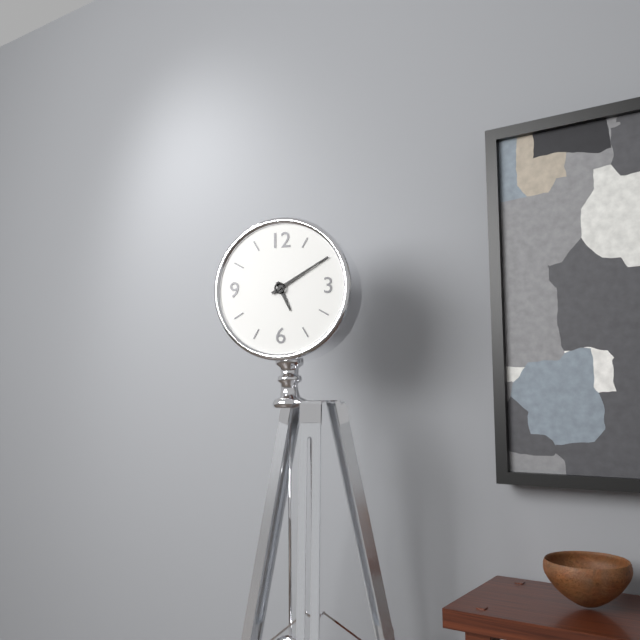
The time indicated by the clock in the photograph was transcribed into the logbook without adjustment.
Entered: 5:10
